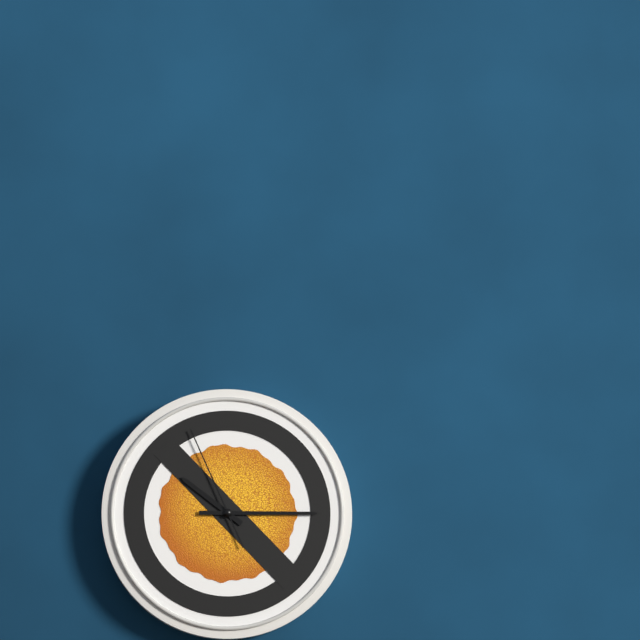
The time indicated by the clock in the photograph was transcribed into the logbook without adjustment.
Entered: 10:15:56
